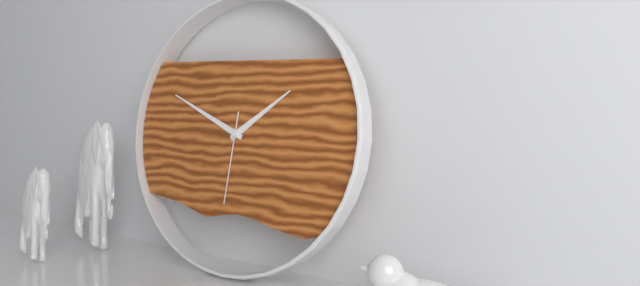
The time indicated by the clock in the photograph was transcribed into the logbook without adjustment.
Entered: 1:49:31
